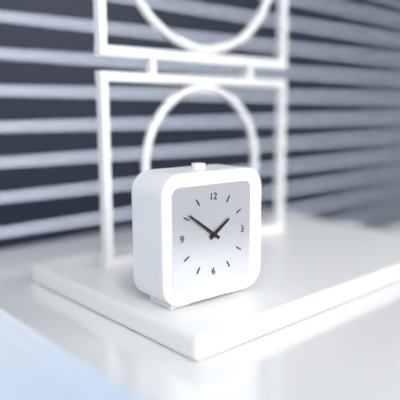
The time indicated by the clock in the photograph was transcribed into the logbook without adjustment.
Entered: 1:51
